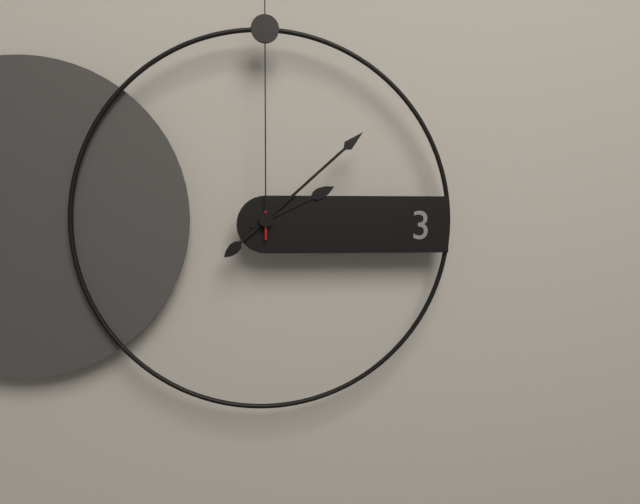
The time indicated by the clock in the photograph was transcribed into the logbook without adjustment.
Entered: 2:08
